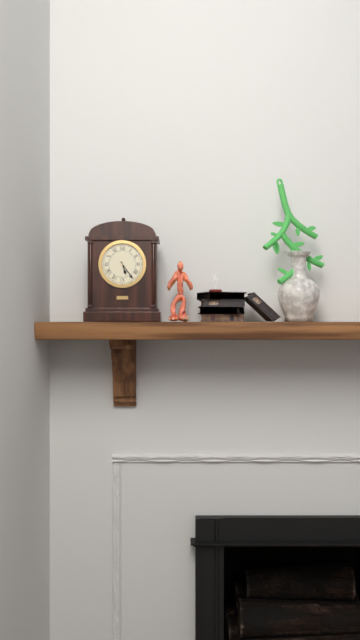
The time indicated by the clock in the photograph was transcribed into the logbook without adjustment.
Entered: 5:24
